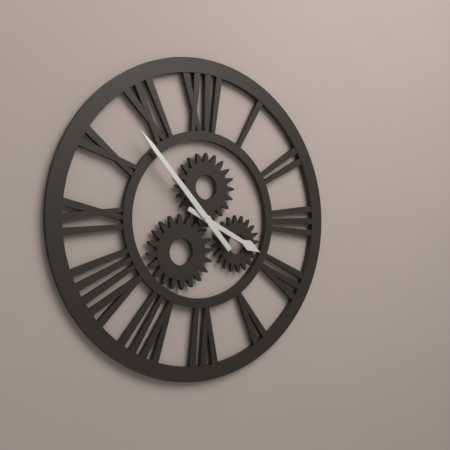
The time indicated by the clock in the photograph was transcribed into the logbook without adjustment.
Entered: 3:53
